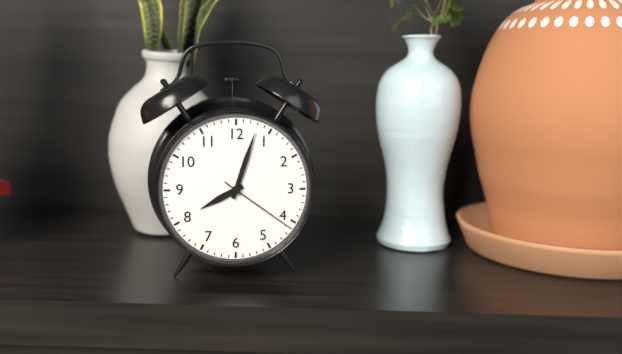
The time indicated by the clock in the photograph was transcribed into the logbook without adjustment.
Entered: 8:03:21
